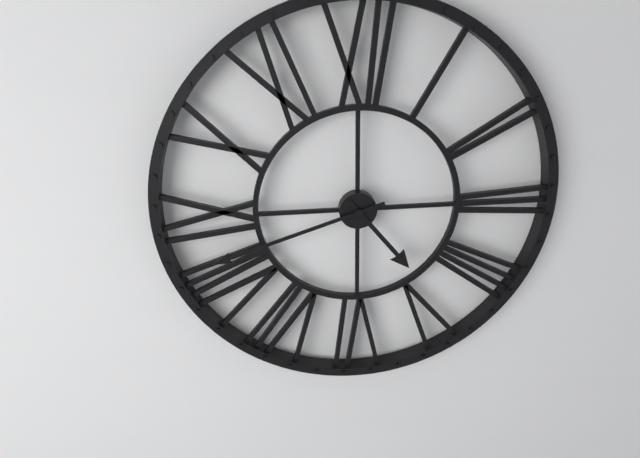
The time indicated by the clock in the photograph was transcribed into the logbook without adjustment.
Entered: 4:42
